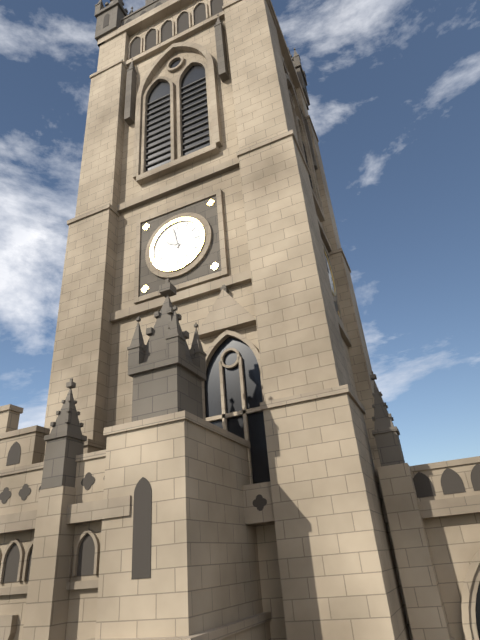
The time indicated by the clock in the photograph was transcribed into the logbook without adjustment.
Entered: 9:58
